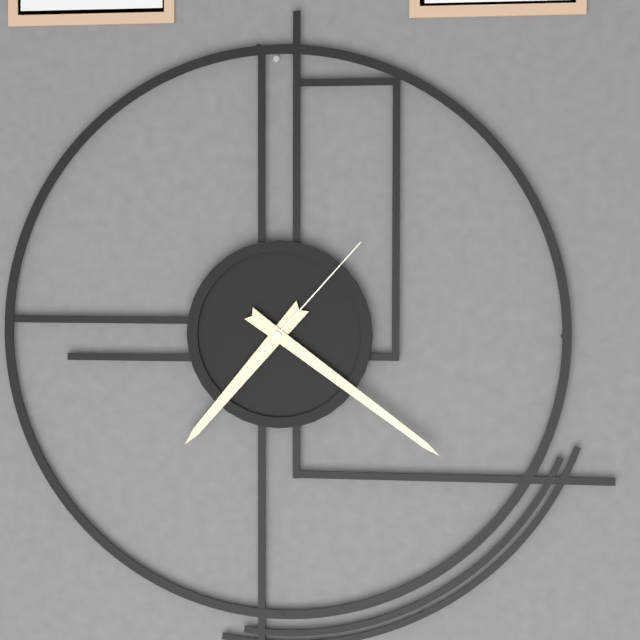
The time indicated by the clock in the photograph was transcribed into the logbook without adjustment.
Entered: 7:21:07
